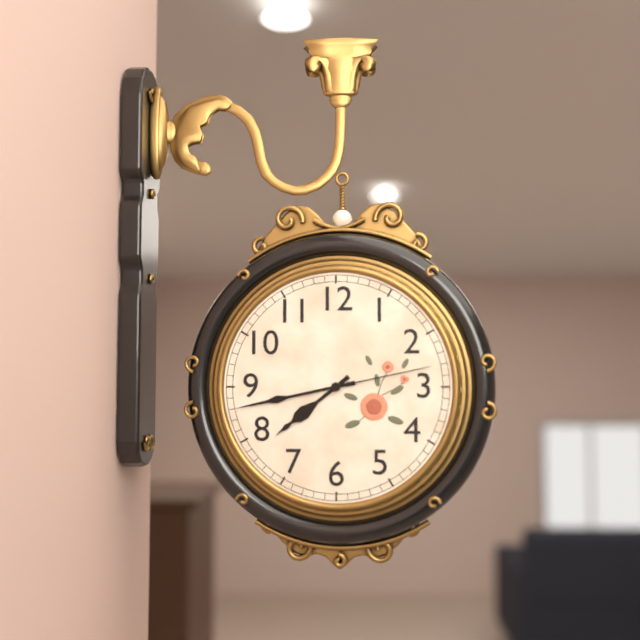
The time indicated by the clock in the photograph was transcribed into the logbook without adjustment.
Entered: 7:43:13
